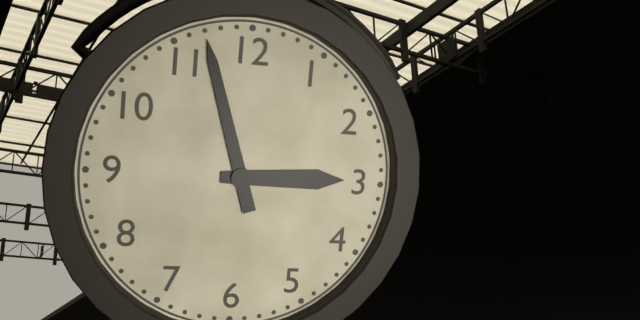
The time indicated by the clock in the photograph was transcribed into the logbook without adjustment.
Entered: 2:57
